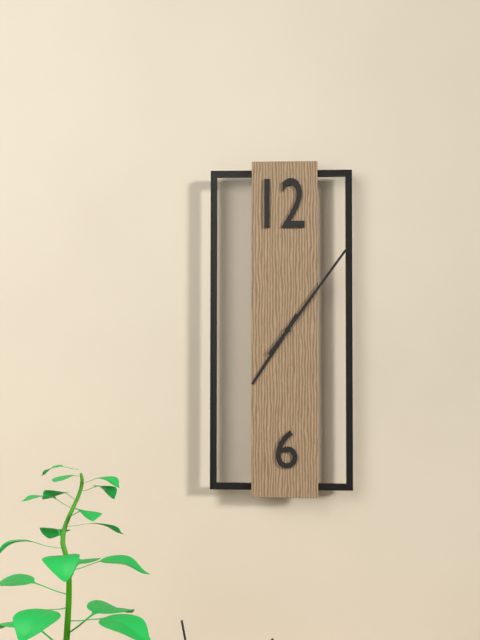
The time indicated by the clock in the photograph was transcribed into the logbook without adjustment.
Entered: 7:06
